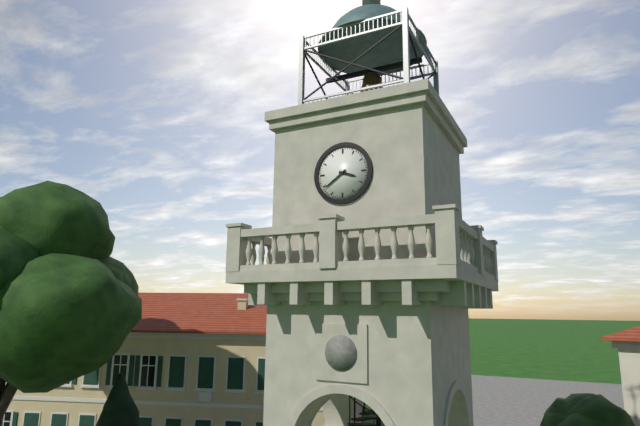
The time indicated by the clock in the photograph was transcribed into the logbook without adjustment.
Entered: 3:39
